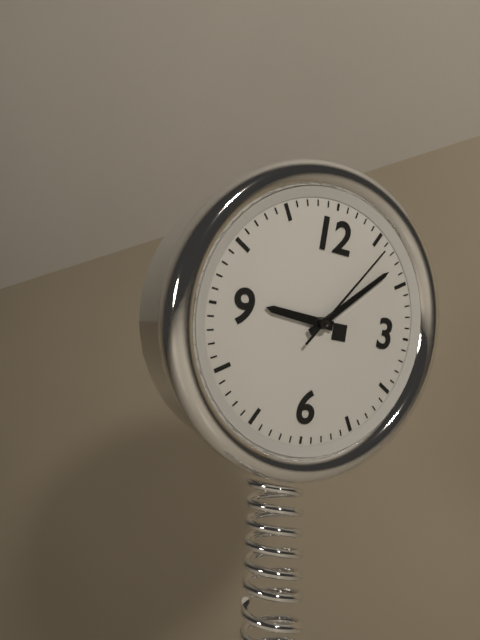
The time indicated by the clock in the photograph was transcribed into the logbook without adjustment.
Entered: 9:08:06
